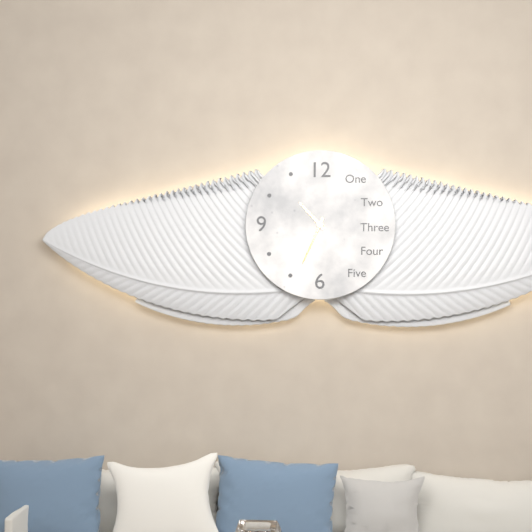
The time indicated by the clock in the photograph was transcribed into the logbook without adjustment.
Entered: 10:34
